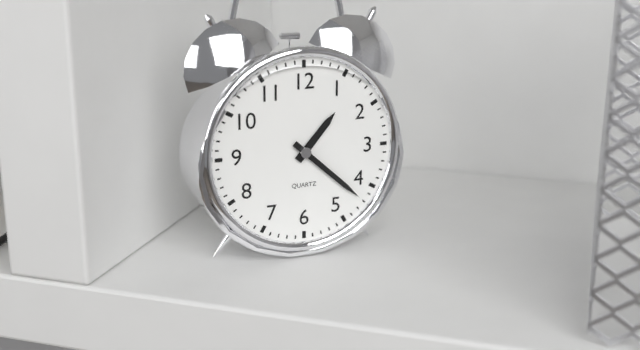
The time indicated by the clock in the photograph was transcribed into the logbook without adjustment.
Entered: 1:22
